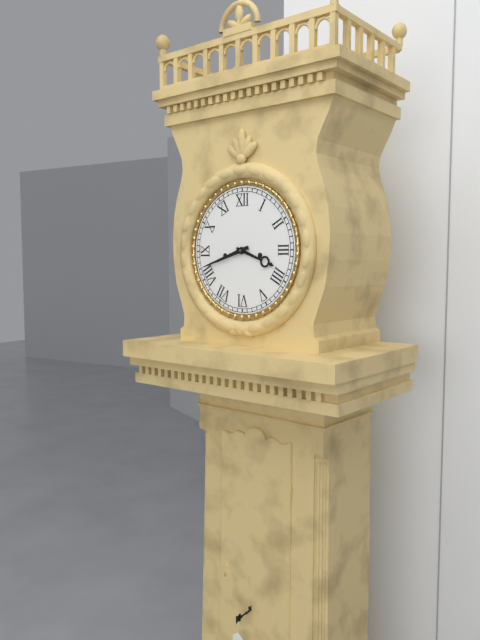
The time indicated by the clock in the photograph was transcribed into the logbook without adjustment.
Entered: 3:42
